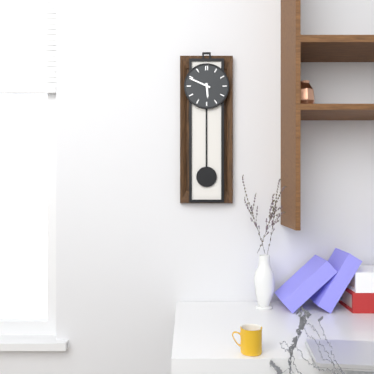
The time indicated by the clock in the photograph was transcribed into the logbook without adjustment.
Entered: 5:49
